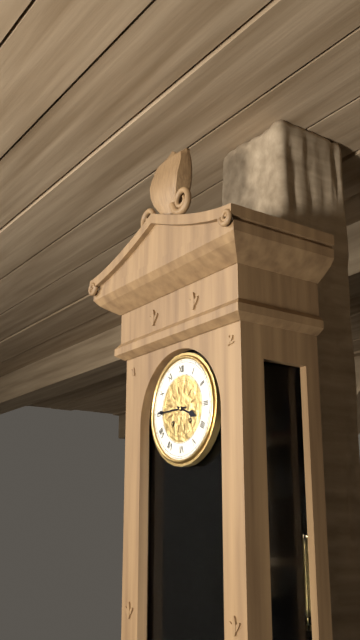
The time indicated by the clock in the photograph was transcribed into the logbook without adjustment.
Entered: 3:45
